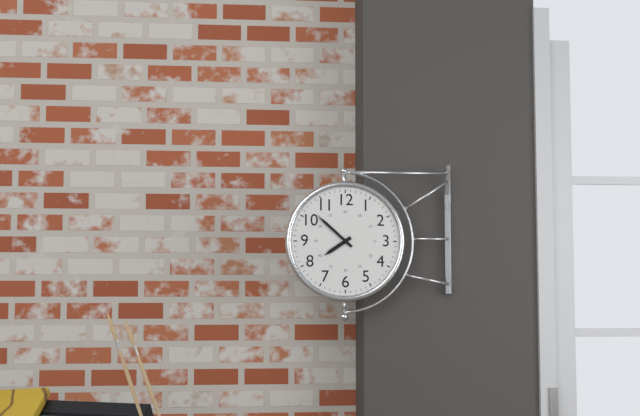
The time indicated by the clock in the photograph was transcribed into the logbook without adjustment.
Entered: 7:52
